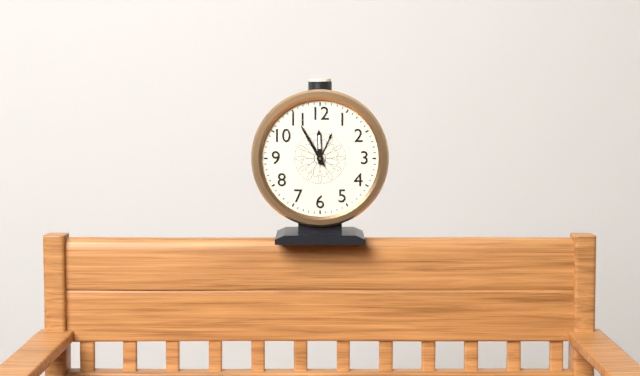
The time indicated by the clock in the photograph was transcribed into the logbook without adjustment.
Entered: 11:55
